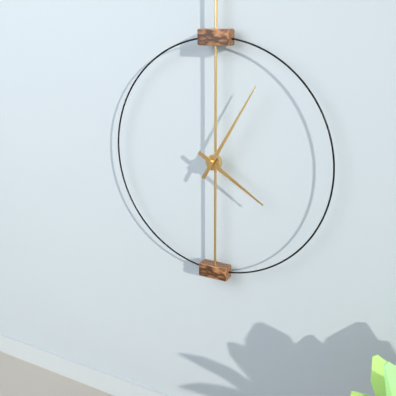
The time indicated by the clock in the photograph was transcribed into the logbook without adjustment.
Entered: 4:05
